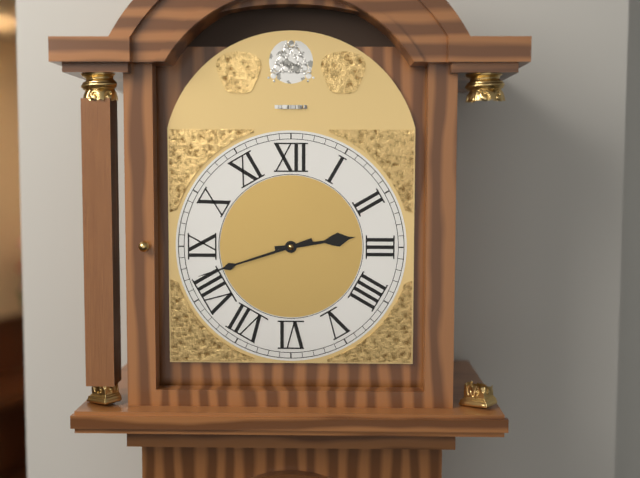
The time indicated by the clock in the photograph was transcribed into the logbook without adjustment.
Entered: 2:42
